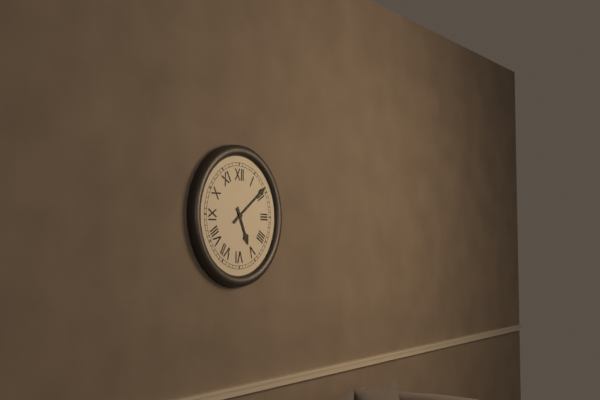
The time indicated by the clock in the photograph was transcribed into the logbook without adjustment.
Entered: 5:09
